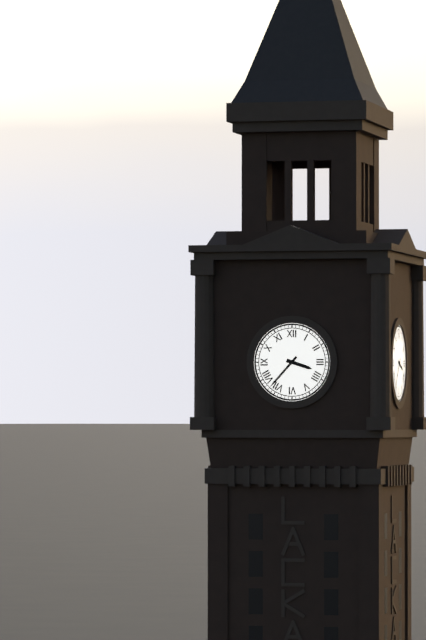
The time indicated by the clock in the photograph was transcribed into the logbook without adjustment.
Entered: 3:37
